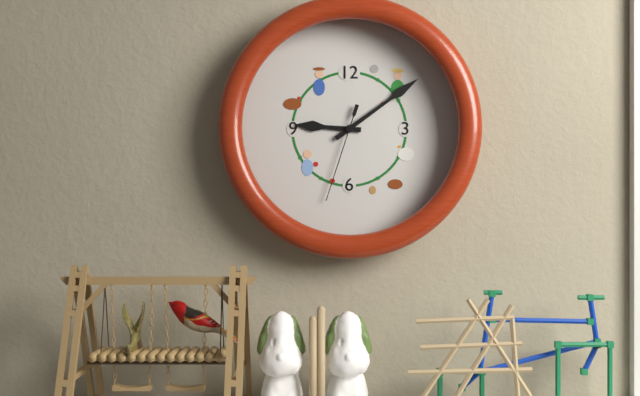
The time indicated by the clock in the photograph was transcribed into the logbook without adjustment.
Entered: 9:09:33
